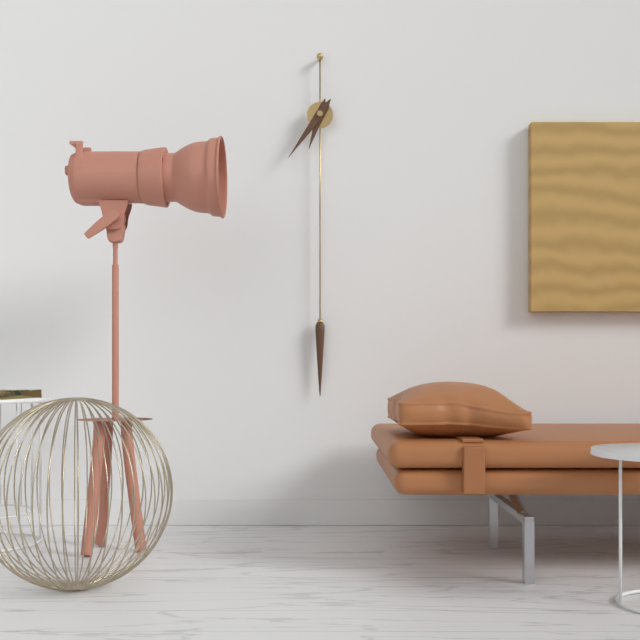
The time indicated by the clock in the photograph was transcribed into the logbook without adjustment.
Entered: 6:36
